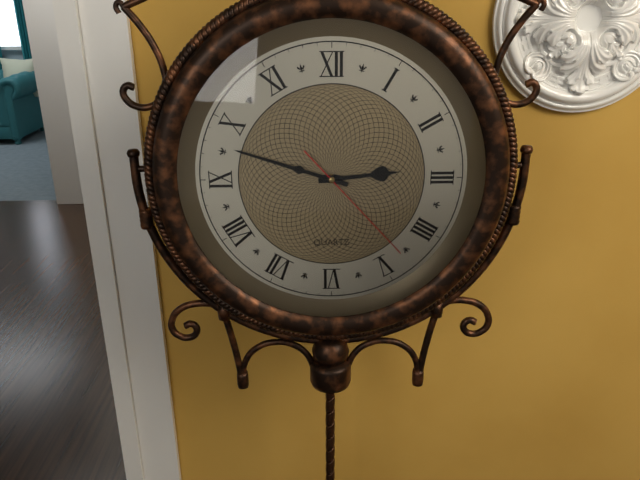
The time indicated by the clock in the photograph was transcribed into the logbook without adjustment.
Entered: 2:48:23
